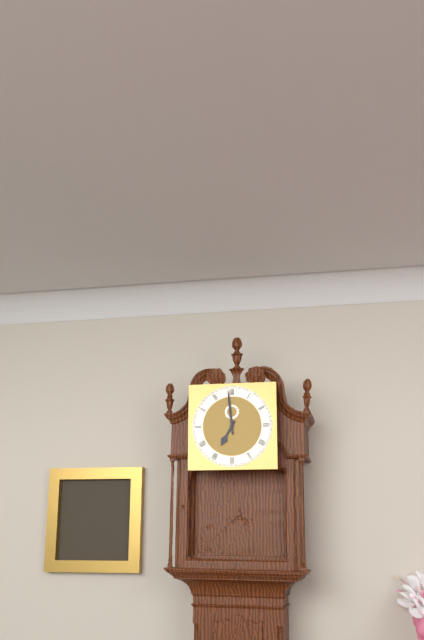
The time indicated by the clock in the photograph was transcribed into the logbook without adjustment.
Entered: 6:59
